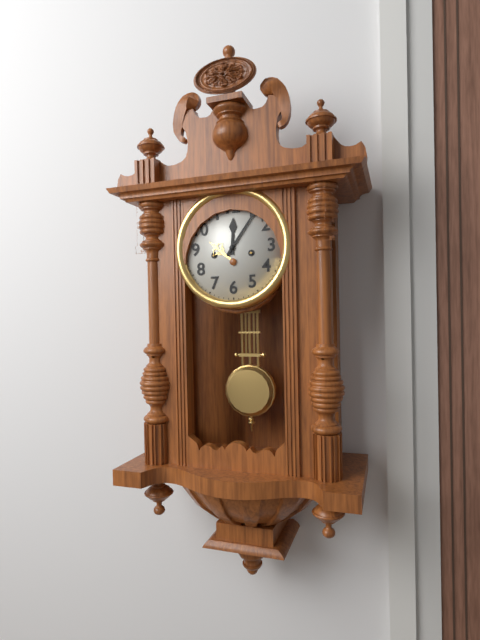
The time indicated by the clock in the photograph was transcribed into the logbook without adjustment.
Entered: 12:06
